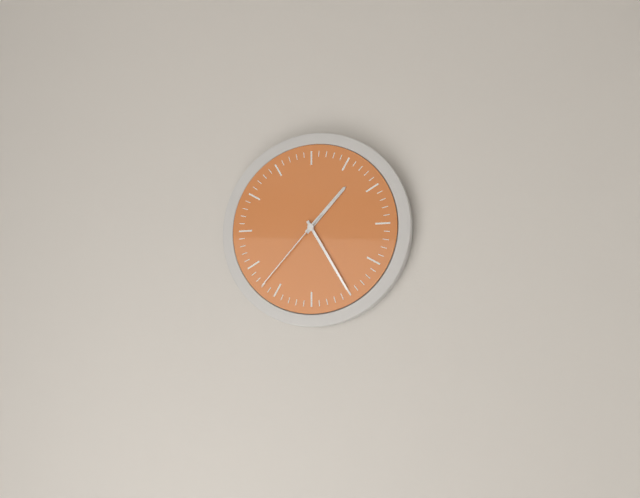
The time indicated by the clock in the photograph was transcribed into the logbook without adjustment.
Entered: 1:25:37
